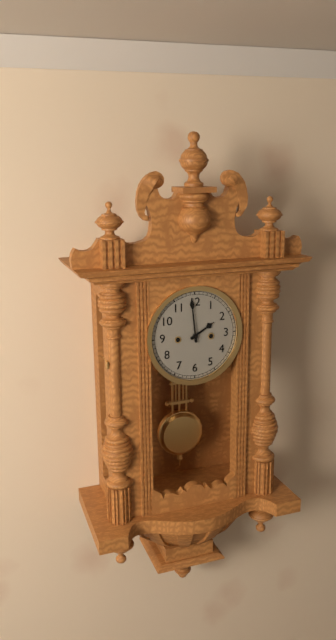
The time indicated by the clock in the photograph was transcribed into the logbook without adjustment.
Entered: 1:59
